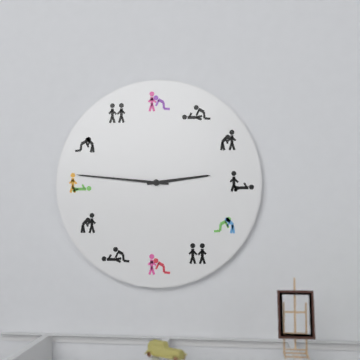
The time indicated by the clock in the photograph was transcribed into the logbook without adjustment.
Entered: 2:46
